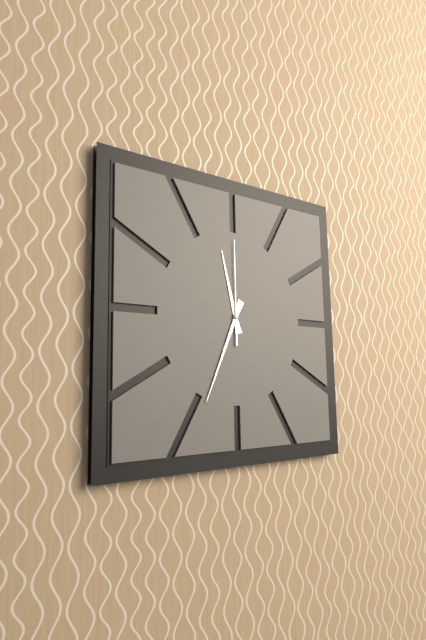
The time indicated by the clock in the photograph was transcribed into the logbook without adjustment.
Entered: 11:34:00
